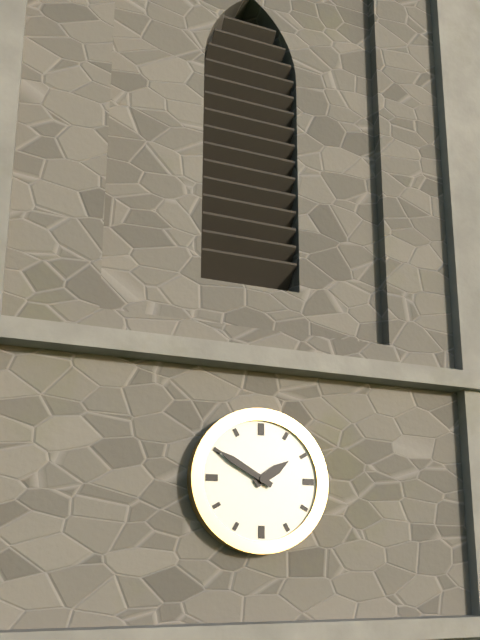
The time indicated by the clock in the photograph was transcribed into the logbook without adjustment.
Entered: 1:50
